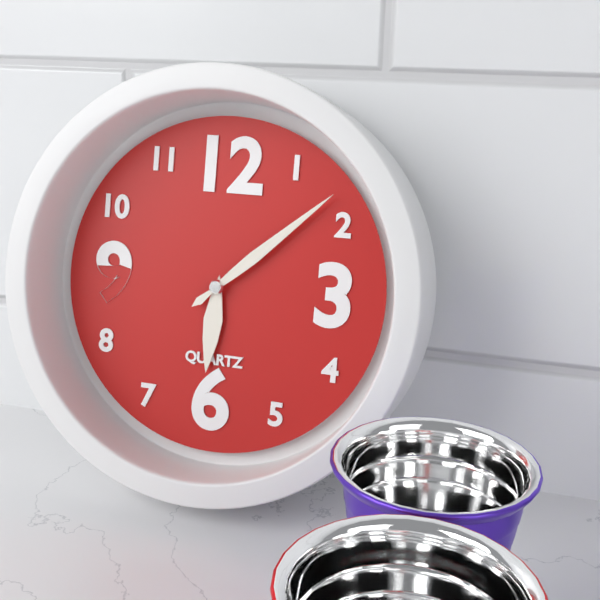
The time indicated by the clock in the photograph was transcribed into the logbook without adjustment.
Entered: 6:08
